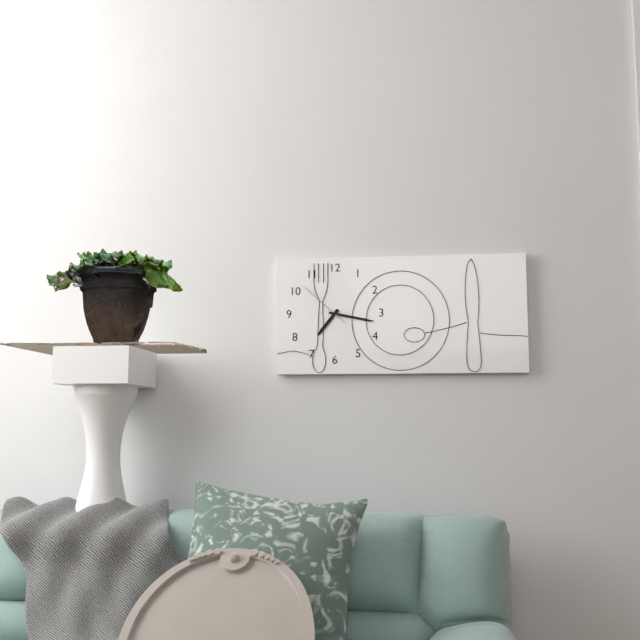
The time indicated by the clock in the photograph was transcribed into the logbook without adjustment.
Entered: 7:17:52
